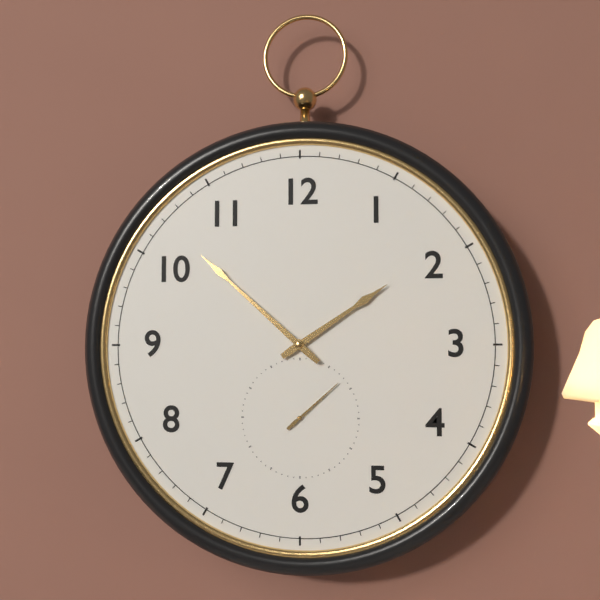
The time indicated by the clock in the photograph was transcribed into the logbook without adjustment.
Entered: 1:52:08
